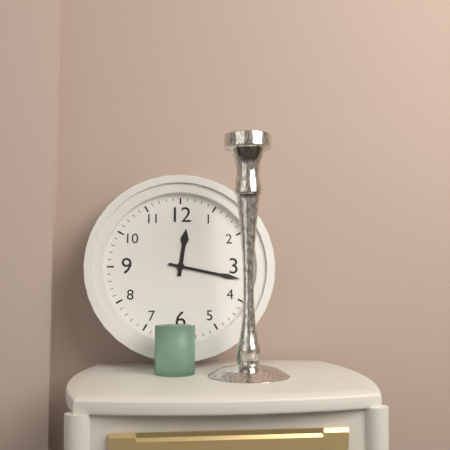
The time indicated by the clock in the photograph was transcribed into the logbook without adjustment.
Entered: 12:17
